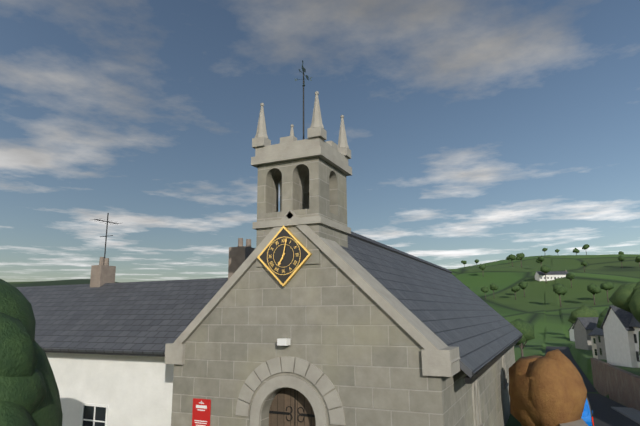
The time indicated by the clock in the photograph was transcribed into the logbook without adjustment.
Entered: 7:02
